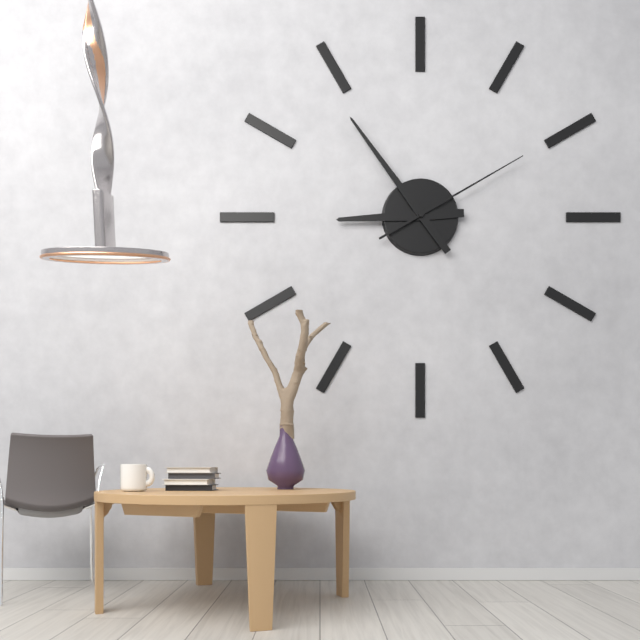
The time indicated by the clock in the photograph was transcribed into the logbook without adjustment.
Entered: 8:54:10
